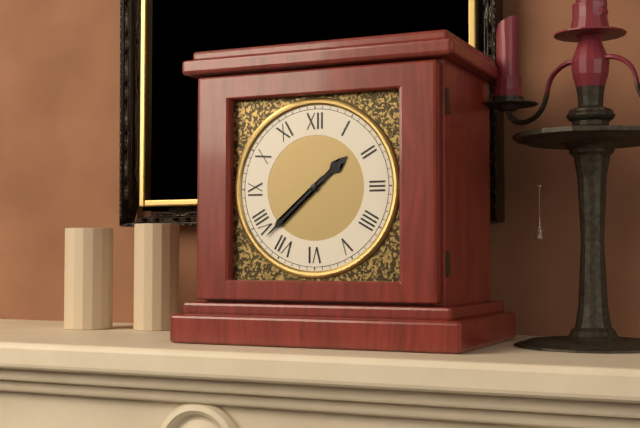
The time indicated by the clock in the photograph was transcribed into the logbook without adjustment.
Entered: 1:38
